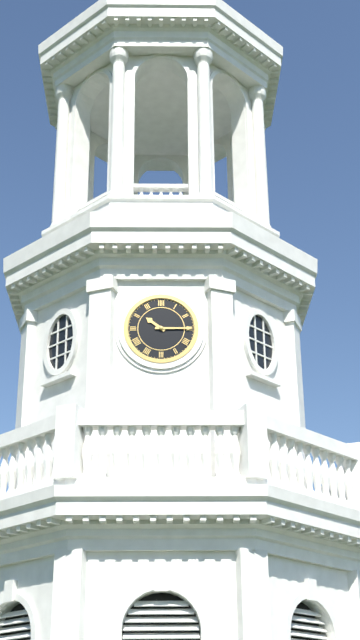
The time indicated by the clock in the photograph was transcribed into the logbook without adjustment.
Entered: 10:15
